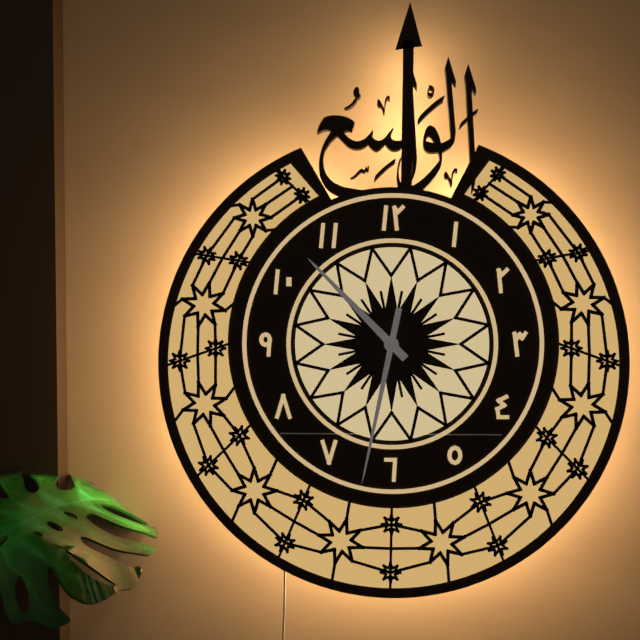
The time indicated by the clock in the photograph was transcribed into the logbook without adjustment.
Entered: 10:32
